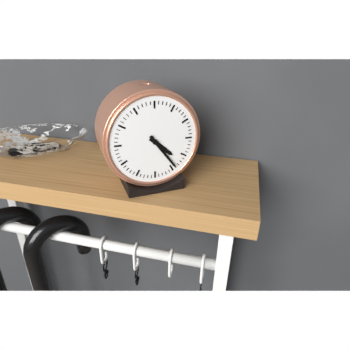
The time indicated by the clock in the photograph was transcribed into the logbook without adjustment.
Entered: 4:24
